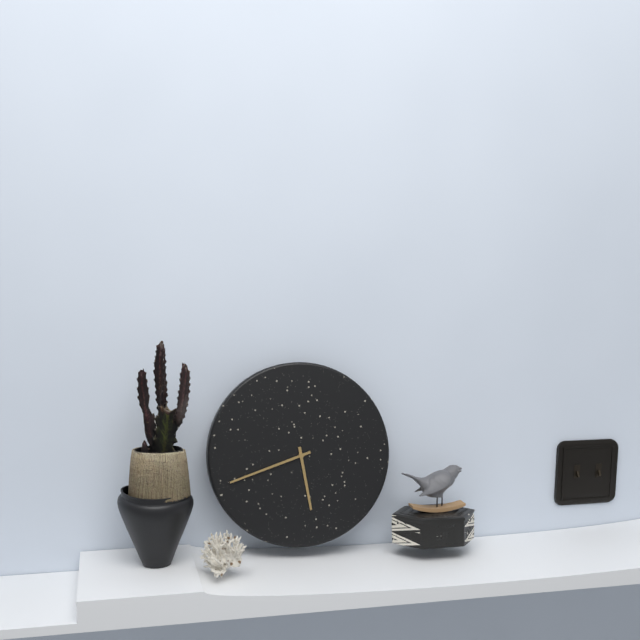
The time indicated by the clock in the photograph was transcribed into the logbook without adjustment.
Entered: 5:42
